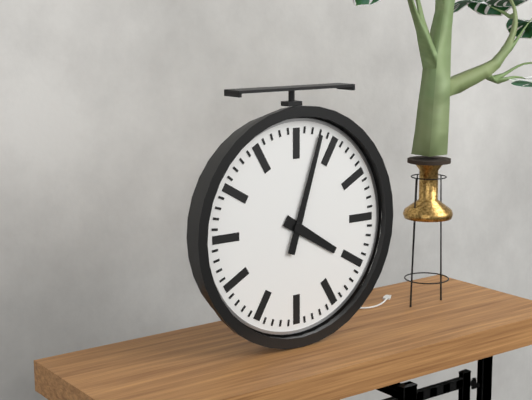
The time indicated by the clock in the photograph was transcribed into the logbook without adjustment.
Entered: 4:03
